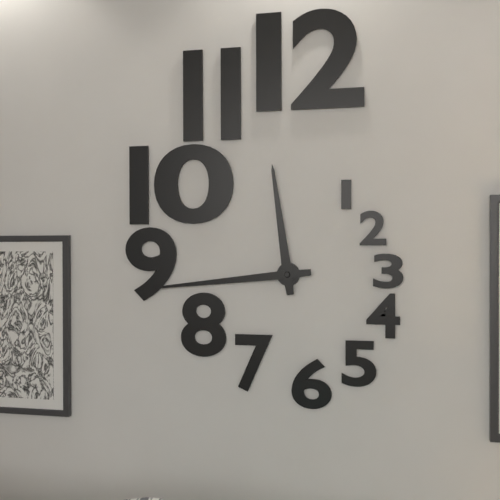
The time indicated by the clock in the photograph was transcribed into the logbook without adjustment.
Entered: 11:44
